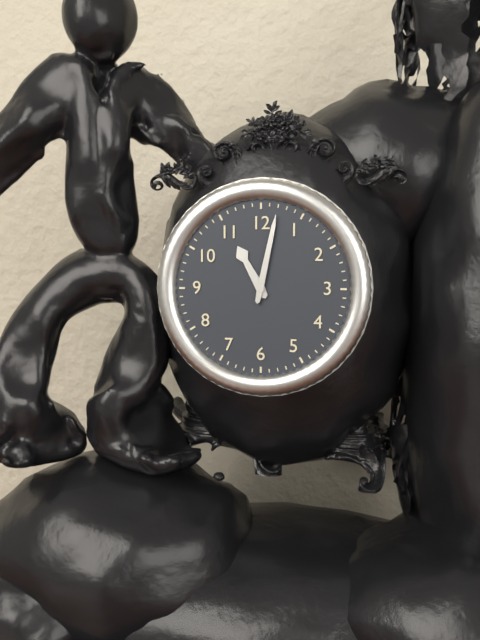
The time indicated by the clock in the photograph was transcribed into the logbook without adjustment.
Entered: 11:02
